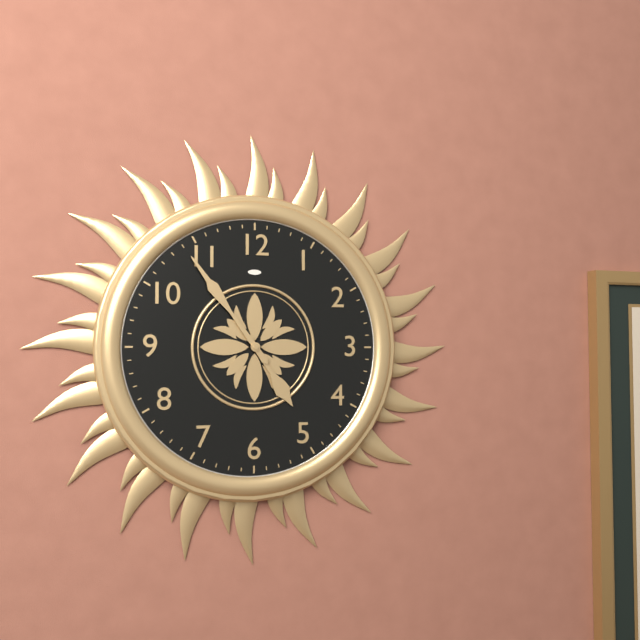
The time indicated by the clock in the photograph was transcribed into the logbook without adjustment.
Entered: 4:54
